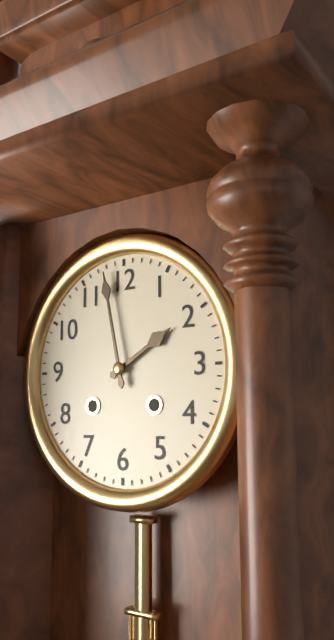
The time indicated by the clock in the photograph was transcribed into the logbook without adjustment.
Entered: 1:58
